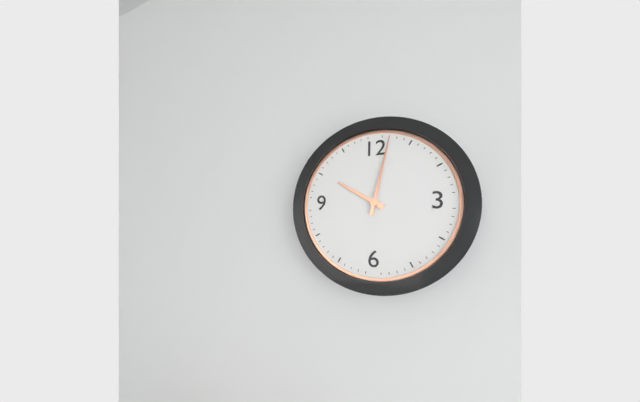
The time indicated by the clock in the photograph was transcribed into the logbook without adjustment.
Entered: 10:02
